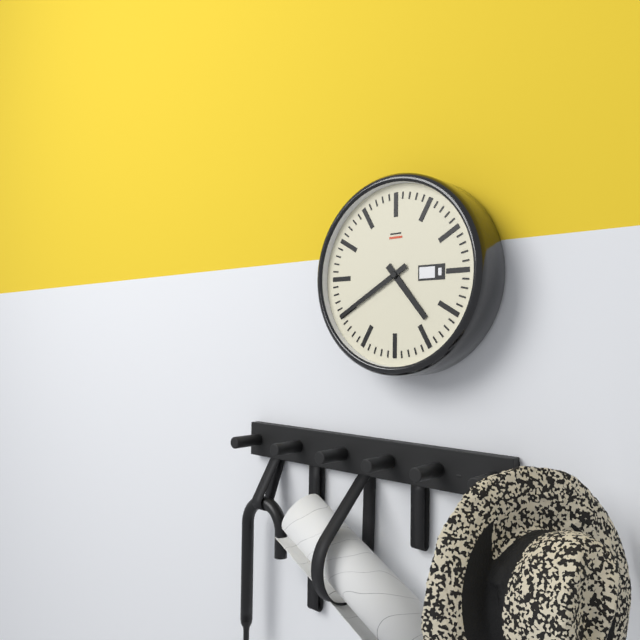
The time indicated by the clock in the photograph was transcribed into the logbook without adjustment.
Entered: 4:40
